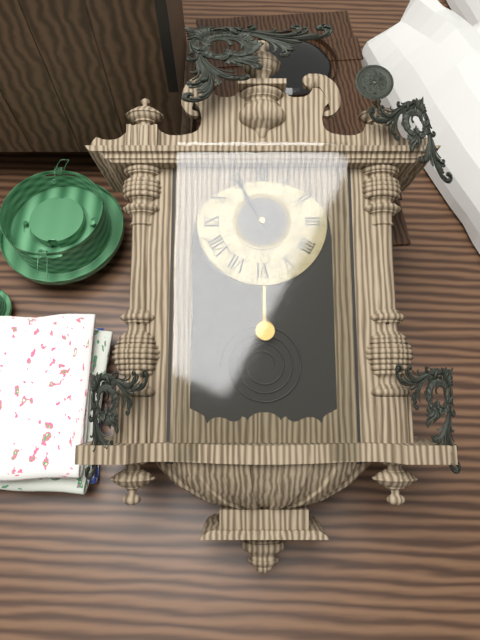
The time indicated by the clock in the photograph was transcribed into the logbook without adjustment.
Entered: 10:55
